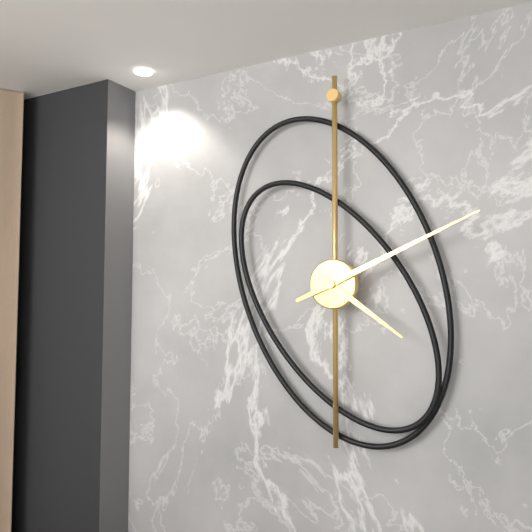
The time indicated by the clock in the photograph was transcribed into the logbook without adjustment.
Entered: 4:11
